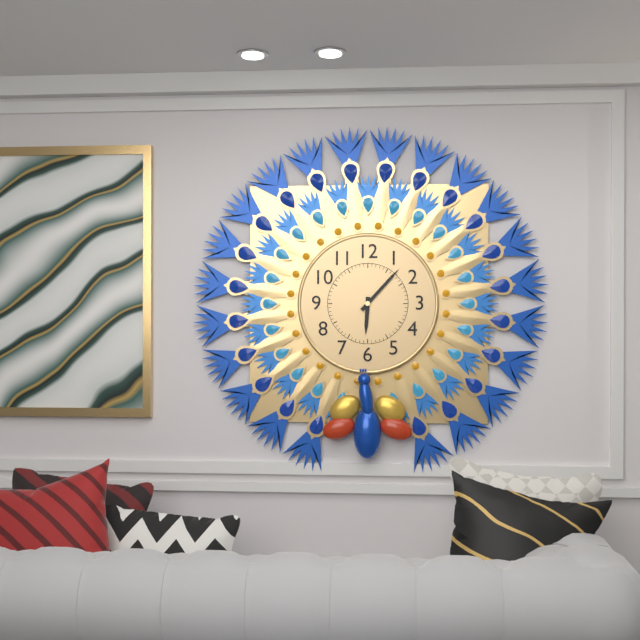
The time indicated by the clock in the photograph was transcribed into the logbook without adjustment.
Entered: 6:07
